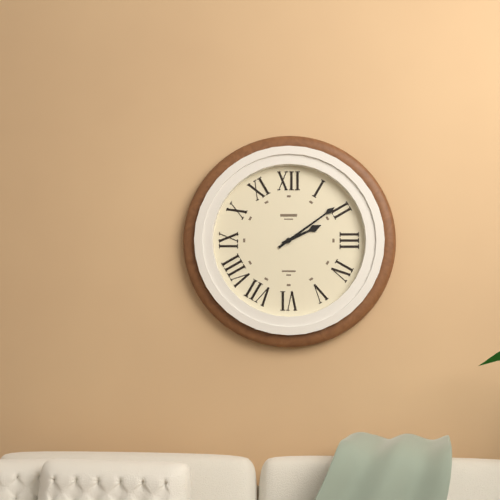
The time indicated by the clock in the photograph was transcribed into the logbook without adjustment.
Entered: 2:09
